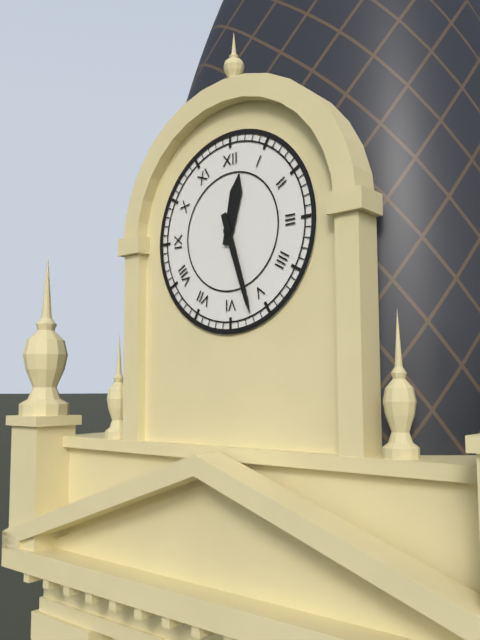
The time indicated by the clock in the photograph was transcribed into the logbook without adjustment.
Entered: 12:27
